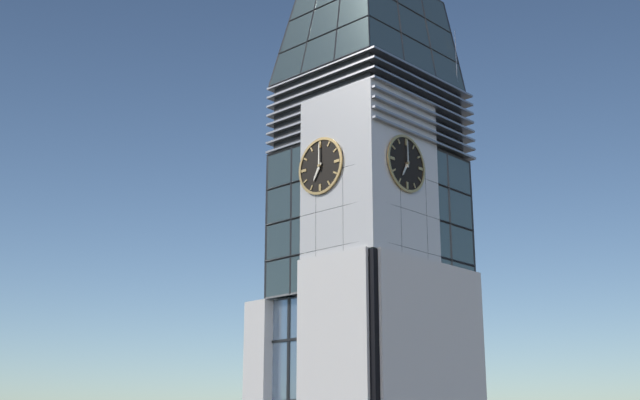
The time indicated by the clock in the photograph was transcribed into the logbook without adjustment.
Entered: 7:00
